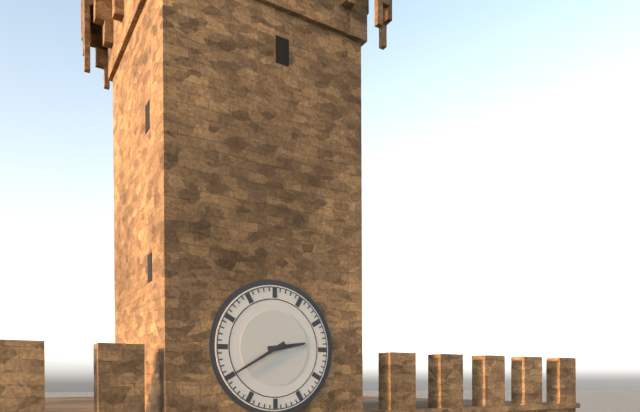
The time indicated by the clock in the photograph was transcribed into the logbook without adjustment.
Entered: 2:40
